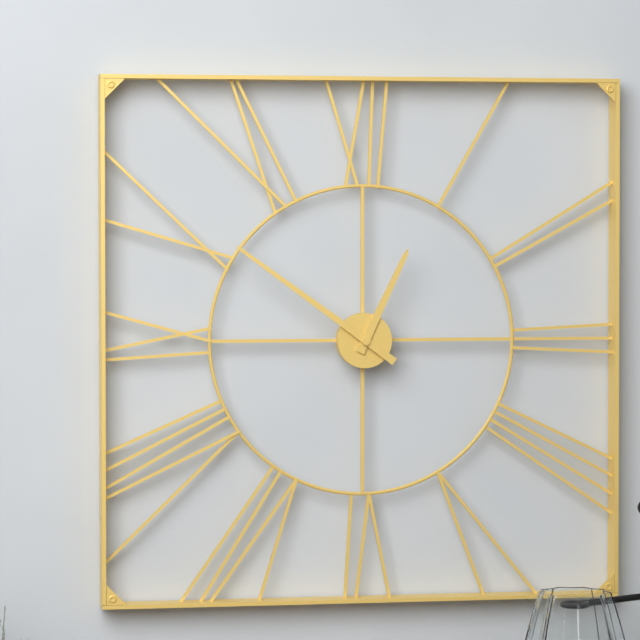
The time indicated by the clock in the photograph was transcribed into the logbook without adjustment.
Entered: 12:51
